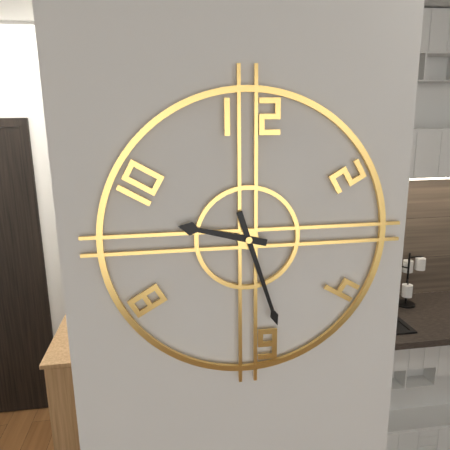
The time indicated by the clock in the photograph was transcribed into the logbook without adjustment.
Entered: 9:27
